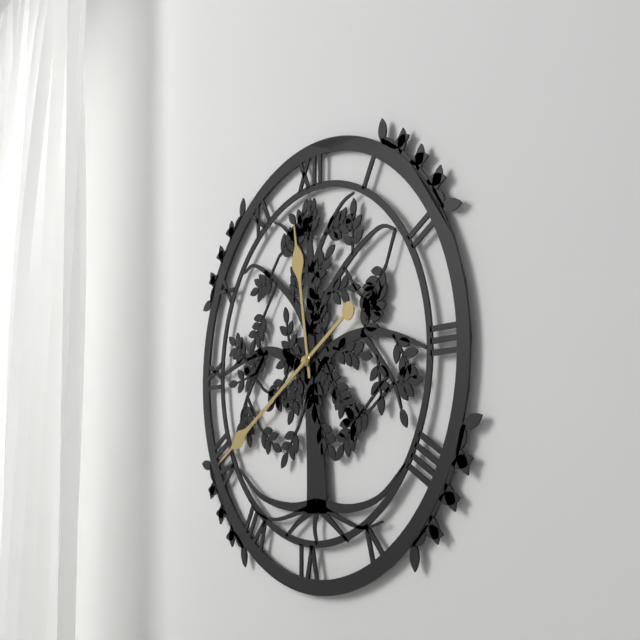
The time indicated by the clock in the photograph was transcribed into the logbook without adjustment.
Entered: 11:40
